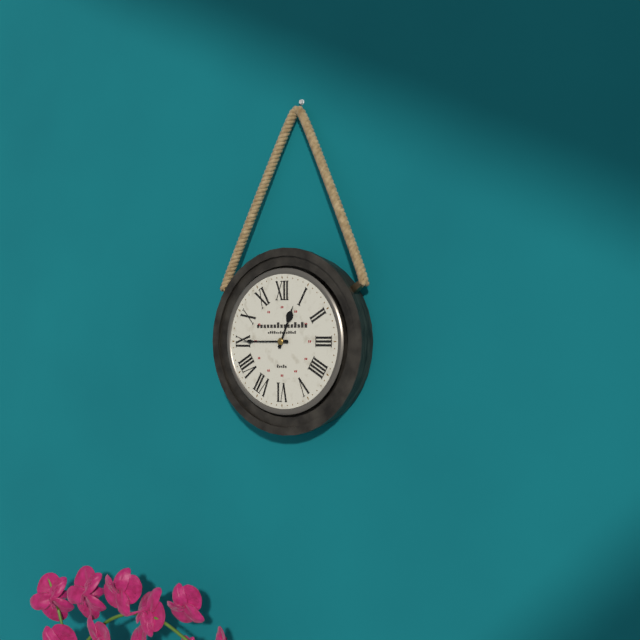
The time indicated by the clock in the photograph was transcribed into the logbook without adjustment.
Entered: 12:45
